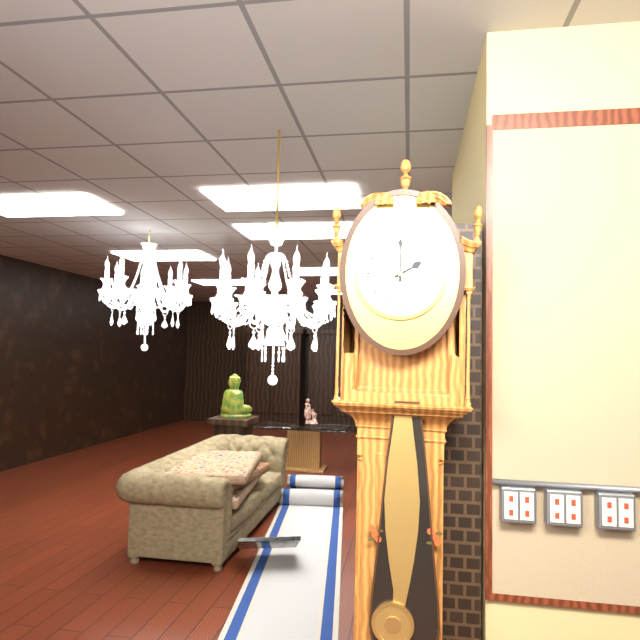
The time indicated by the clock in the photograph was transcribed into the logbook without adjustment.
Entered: 2:00
